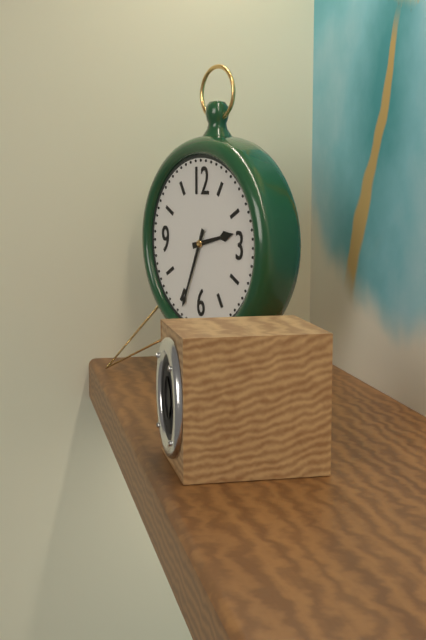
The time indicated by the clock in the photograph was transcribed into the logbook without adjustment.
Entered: 2:34
